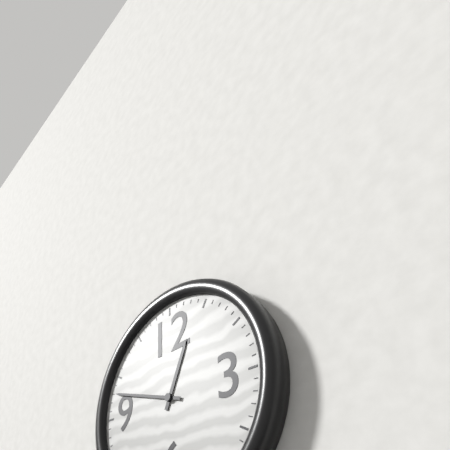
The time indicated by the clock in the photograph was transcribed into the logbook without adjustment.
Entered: 12:48
